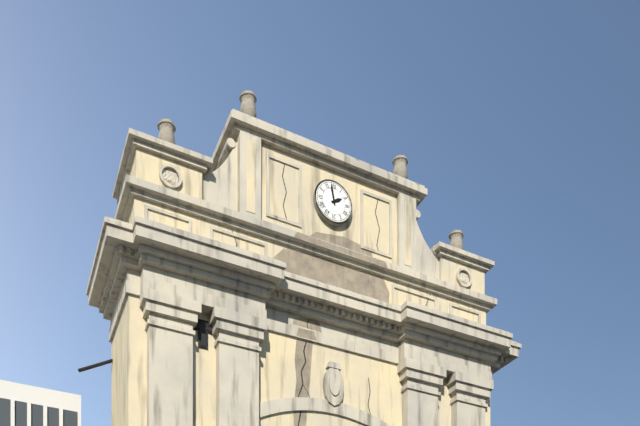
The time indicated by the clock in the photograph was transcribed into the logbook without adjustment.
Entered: 1:58
